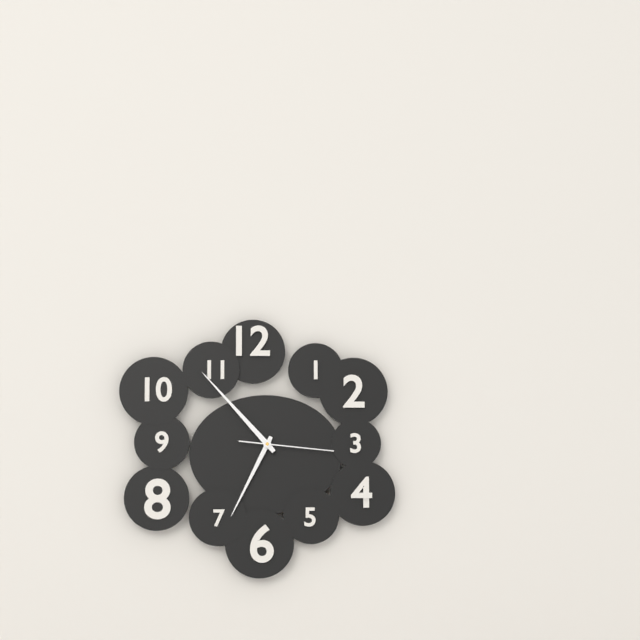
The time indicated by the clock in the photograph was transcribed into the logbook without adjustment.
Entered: 6:53:16
